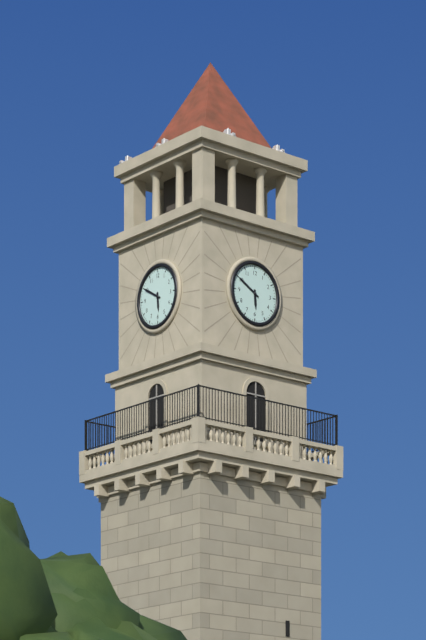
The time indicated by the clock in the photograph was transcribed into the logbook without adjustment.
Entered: 5:50
